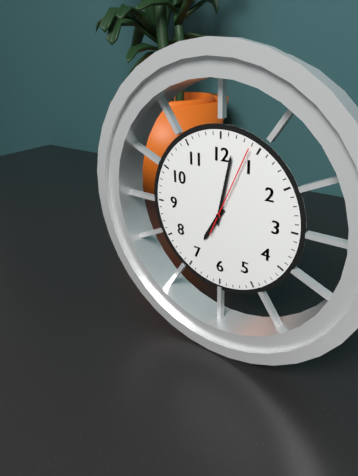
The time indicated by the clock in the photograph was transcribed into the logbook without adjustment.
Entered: 7:02:04
